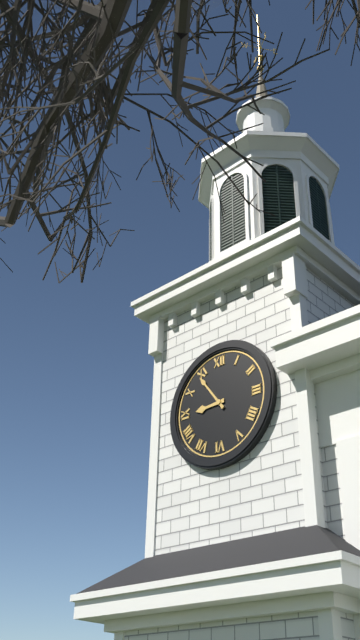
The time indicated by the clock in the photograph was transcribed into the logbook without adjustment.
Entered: 8:54
